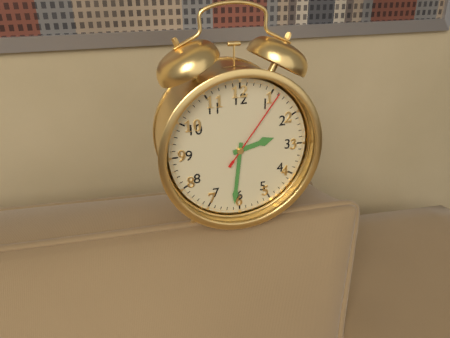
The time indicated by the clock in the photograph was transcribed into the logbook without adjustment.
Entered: 2:31:06
